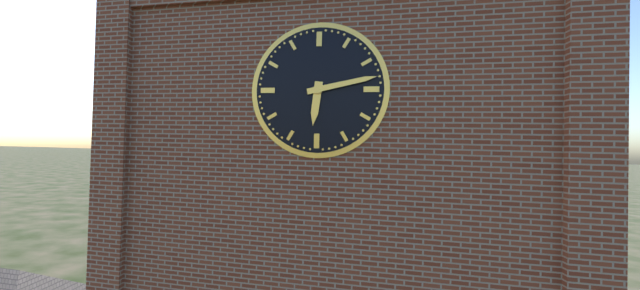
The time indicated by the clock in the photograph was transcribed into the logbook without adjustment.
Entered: 6:13
